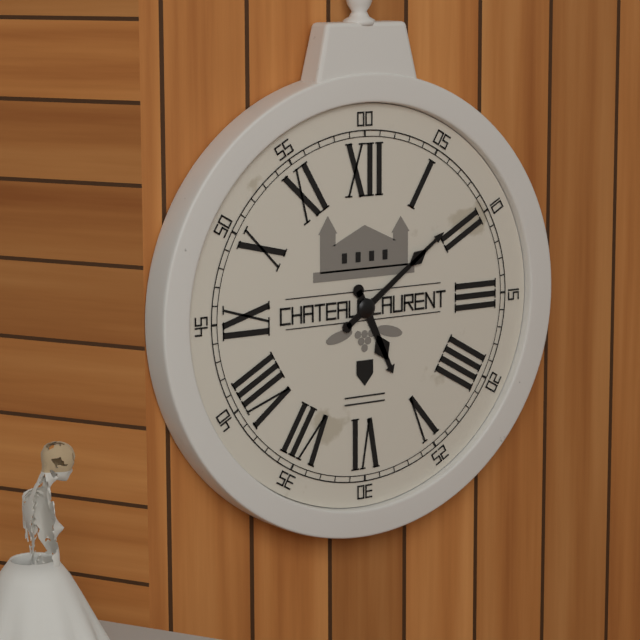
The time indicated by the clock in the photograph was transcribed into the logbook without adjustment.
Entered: 5:09
